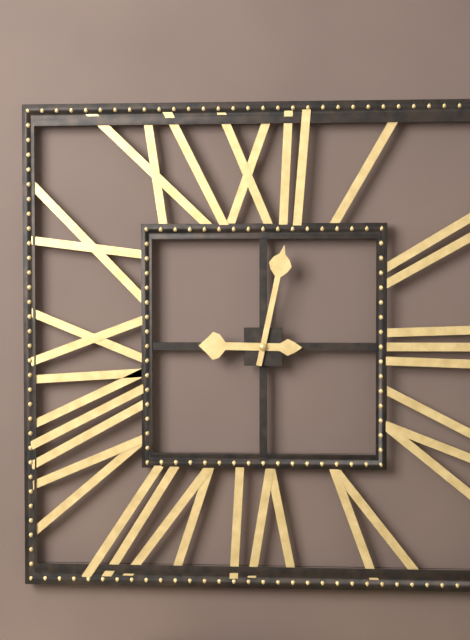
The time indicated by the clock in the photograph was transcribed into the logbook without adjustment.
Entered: 9:02
